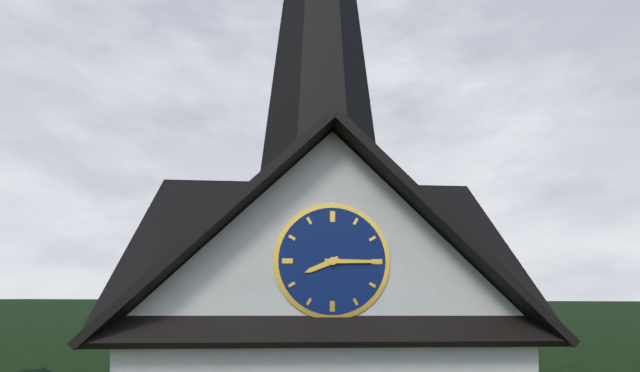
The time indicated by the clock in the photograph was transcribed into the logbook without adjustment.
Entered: 8:15
